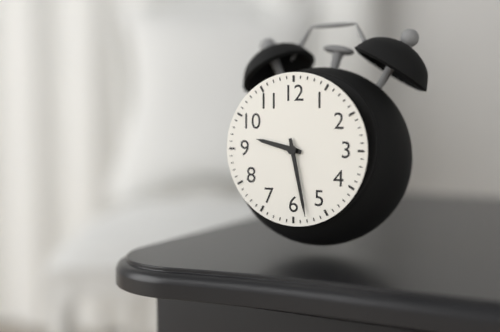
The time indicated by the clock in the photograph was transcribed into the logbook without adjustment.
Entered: 9:28
